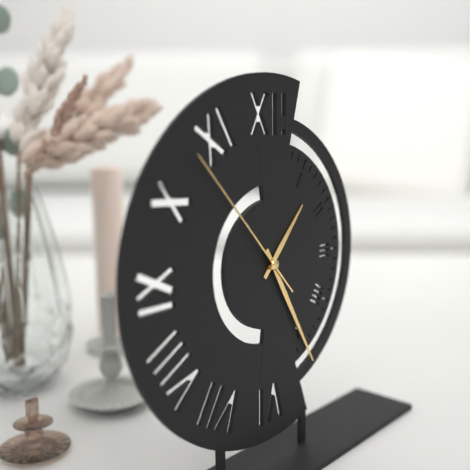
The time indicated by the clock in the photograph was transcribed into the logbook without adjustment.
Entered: 1:25:53
